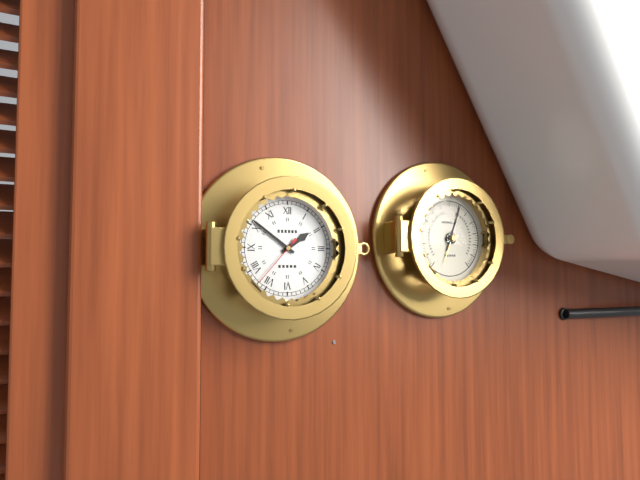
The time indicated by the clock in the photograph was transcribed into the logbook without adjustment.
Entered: 1:51:37
